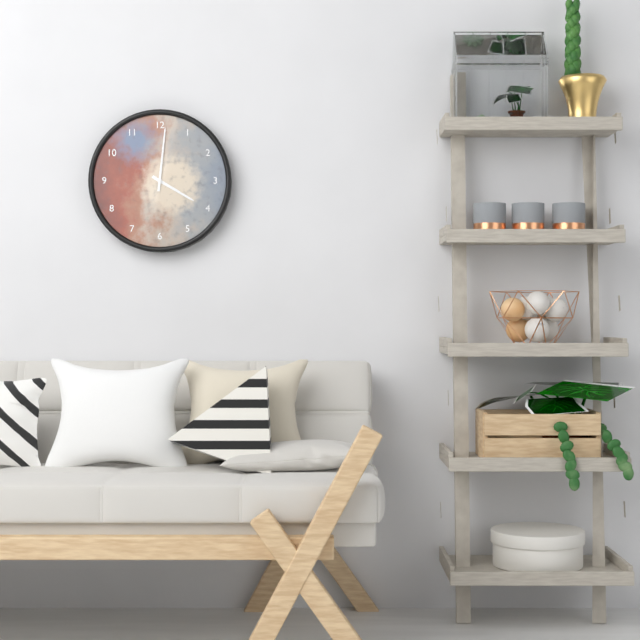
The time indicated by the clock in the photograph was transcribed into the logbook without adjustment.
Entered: 4:01
